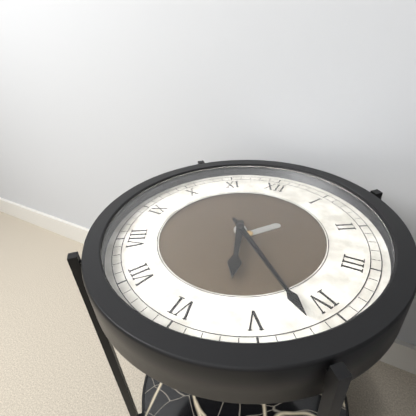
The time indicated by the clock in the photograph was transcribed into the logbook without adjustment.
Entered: 5:22
